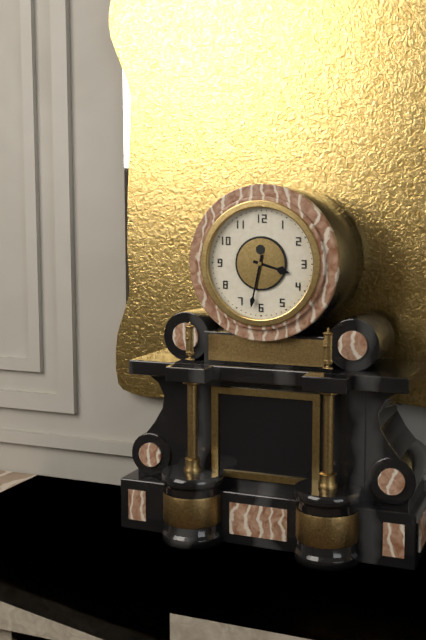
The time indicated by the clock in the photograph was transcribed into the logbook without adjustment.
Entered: 3:32
